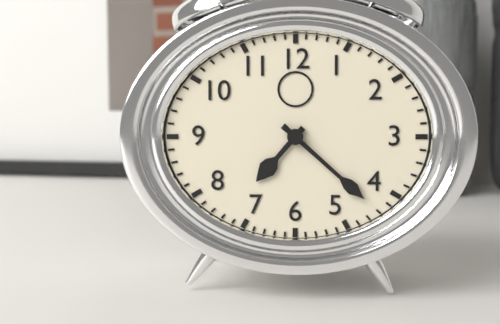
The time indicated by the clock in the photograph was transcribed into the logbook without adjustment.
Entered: 7:22
